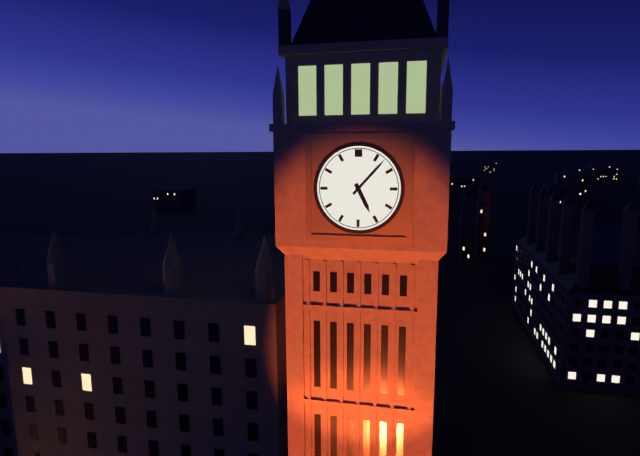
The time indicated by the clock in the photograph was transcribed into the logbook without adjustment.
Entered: 5:07
